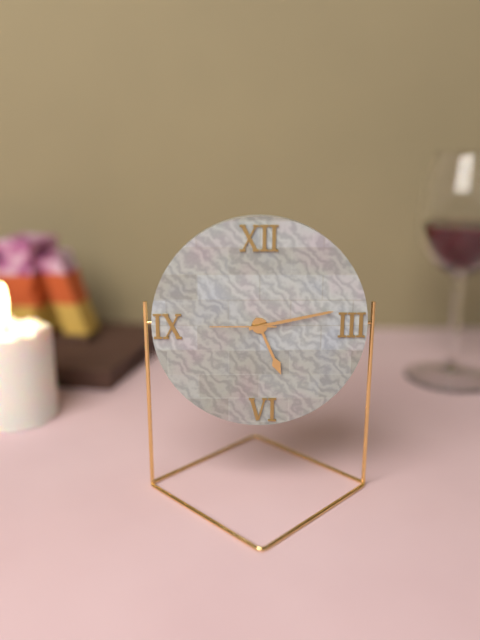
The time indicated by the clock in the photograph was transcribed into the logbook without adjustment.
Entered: 5:13:45
